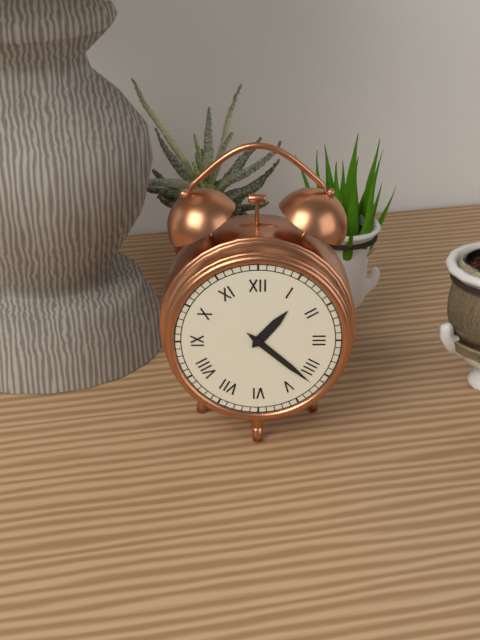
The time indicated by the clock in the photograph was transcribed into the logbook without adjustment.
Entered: 1:22
